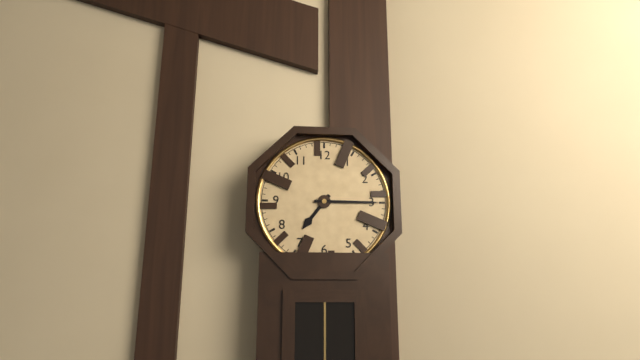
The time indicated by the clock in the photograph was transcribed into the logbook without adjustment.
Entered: 7:15
